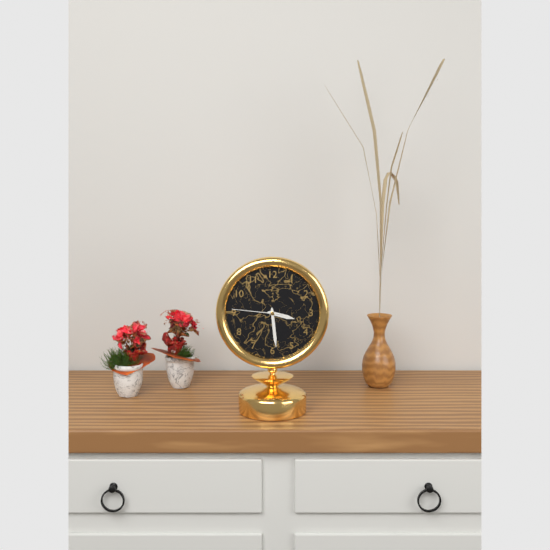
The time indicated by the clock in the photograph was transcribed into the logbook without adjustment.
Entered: 3:29:46
